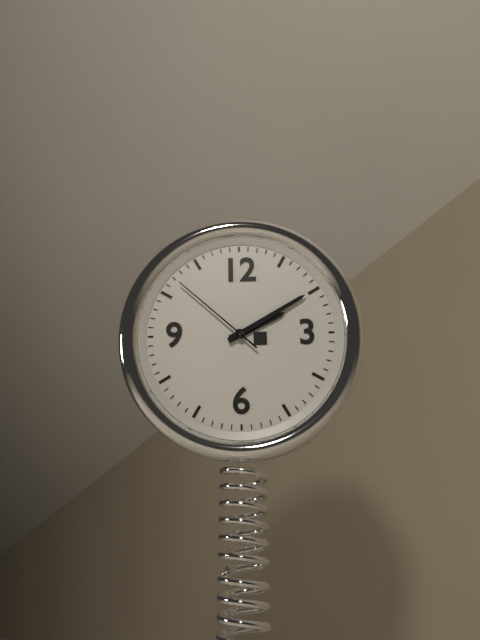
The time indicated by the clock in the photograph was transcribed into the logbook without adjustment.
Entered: 2:10:52
